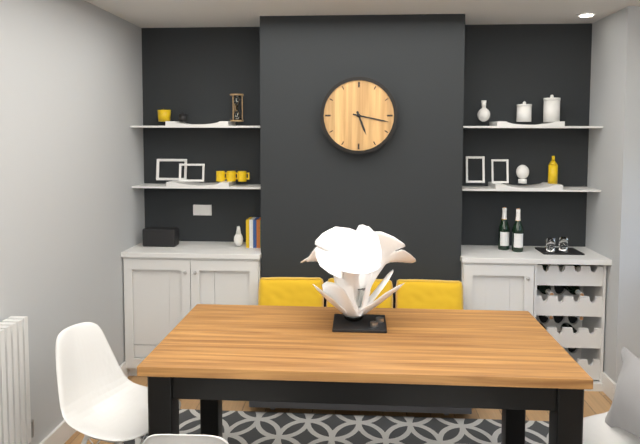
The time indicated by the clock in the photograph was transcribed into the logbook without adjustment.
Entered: 5:17
